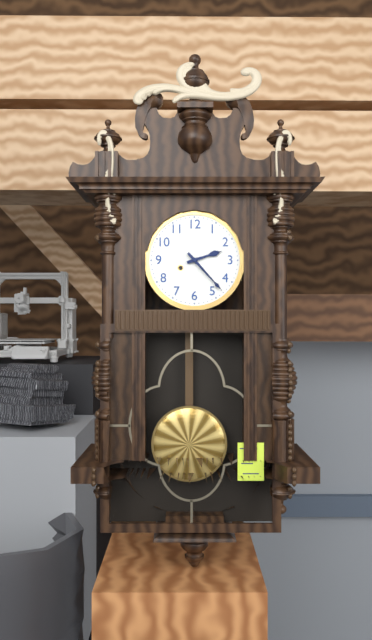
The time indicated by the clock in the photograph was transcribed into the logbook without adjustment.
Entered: 2:23
